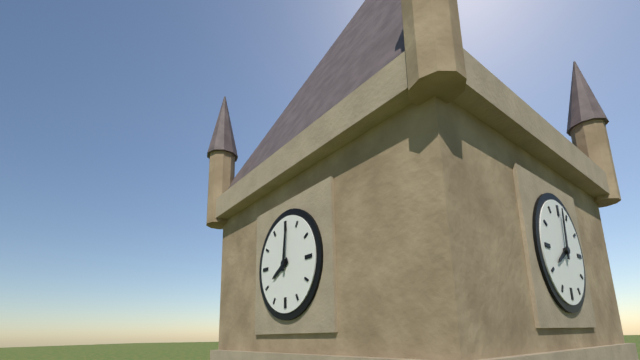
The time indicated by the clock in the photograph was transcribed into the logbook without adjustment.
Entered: 8:01
